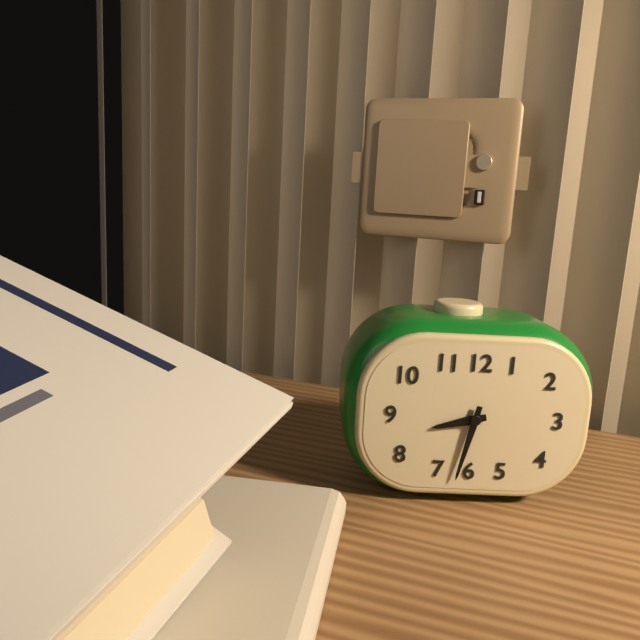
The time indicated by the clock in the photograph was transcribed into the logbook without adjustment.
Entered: 8:32
